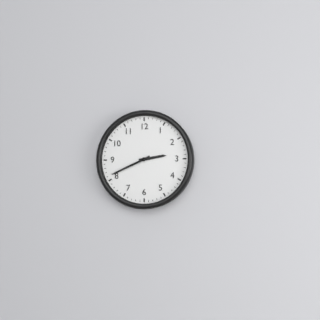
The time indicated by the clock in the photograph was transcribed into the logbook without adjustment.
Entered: 2:41
